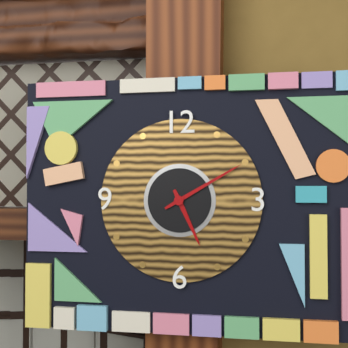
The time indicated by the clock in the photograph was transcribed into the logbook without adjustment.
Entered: 5:10
